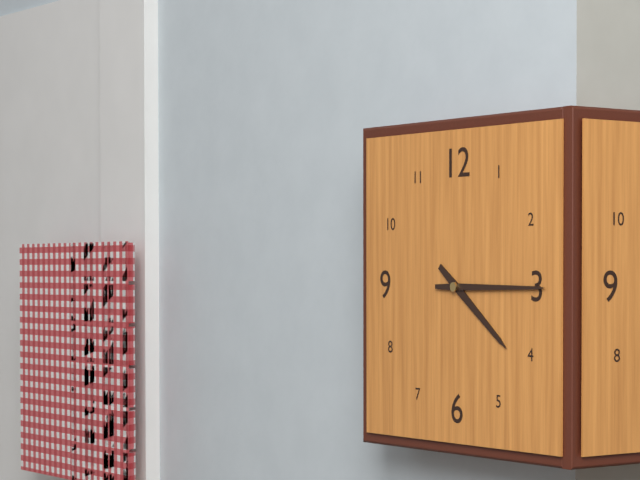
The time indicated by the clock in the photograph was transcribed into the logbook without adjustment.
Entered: 4:15
